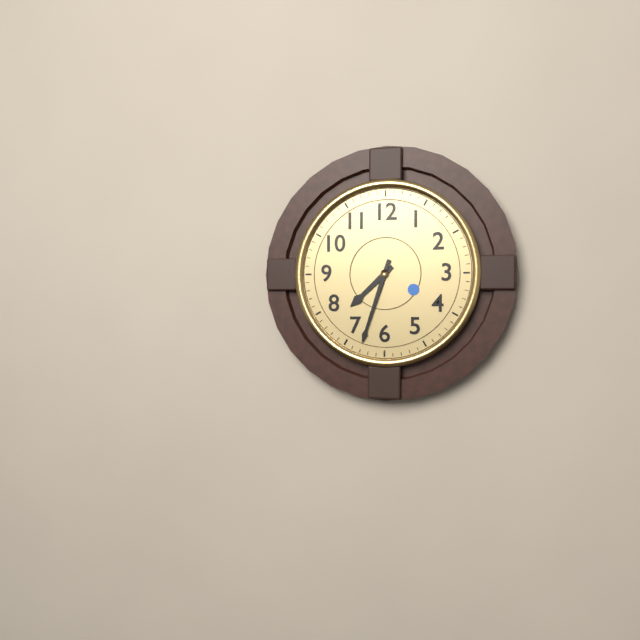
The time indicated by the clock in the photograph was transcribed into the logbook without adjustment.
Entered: 7:33
